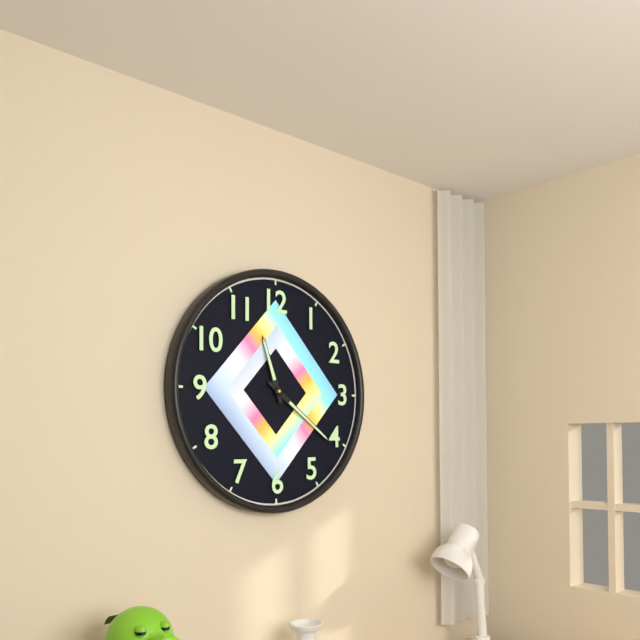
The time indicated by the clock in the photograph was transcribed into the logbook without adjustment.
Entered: 11:21
